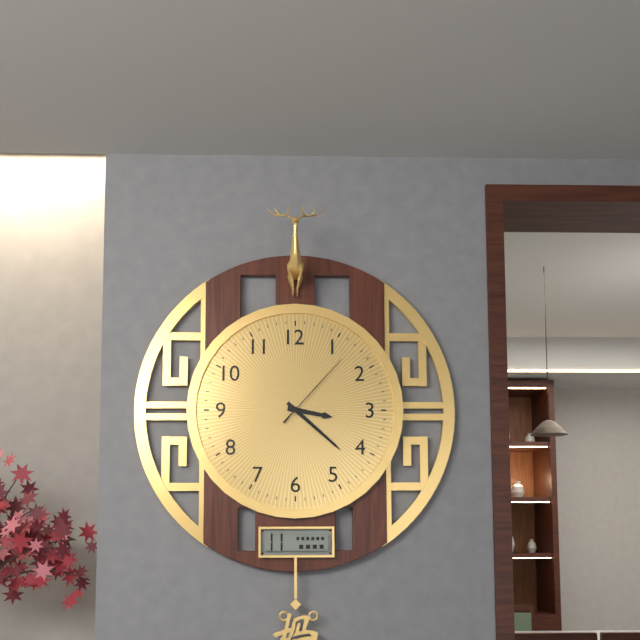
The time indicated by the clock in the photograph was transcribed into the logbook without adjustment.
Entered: 3:22:07
